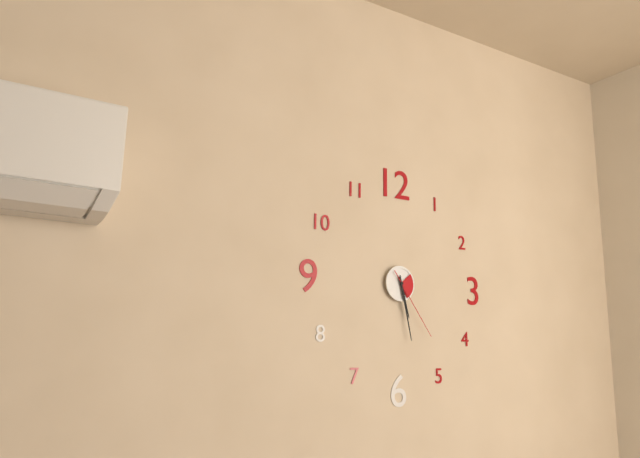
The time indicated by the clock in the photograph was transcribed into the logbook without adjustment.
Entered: 5:28:24
